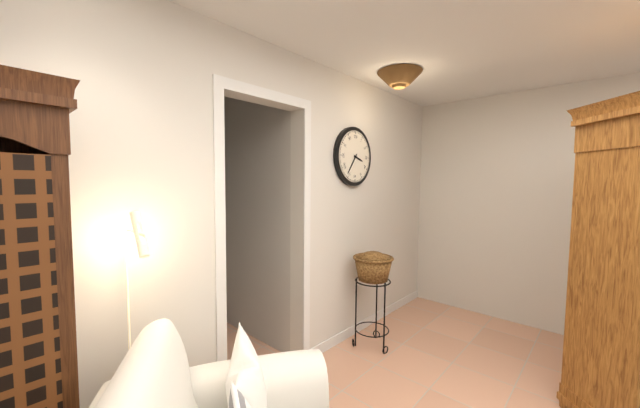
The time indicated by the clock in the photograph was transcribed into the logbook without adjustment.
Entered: 3:36
